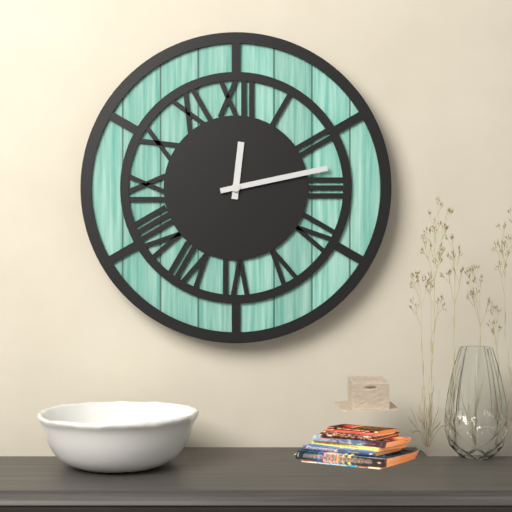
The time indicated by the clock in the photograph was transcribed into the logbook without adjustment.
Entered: 12:13
